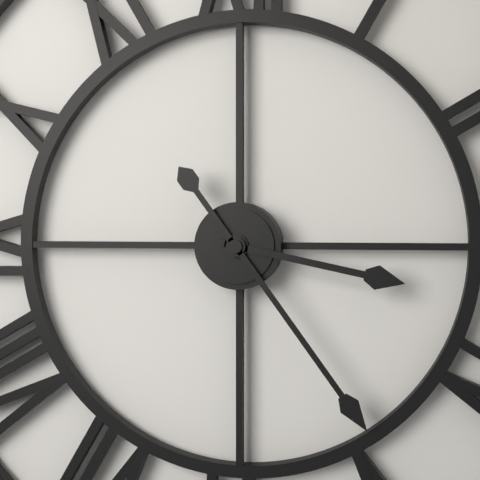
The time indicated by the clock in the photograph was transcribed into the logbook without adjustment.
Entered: 3:24
